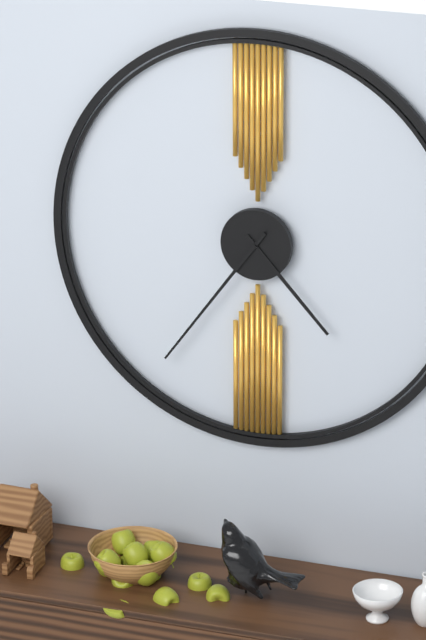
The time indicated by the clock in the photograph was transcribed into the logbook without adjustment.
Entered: 4:36
